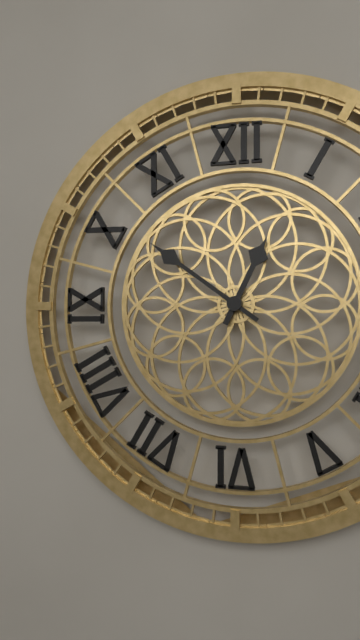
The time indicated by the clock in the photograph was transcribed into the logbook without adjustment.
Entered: 12:51
